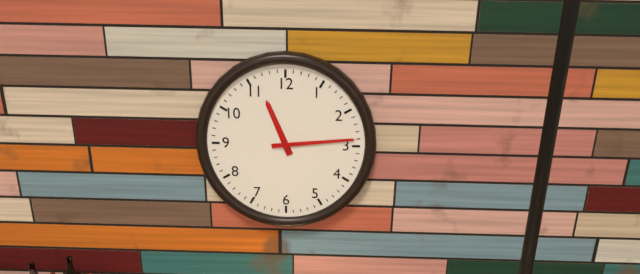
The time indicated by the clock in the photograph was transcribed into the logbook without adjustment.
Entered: 11:14
